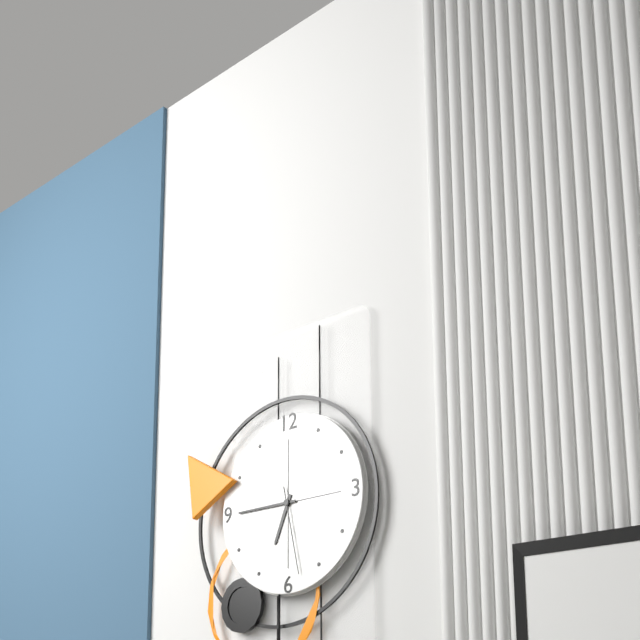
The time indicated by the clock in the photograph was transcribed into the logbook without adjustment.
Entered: 6:45:28
